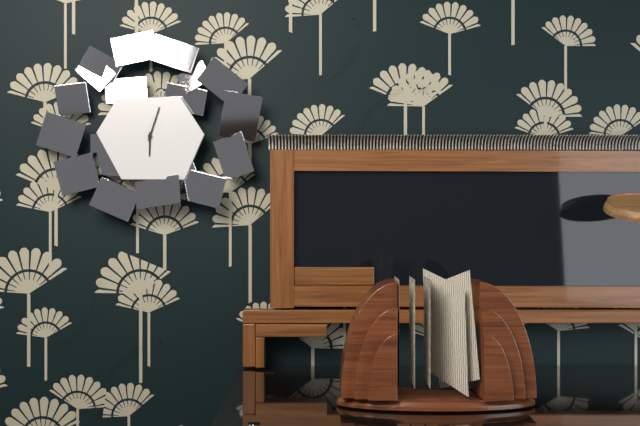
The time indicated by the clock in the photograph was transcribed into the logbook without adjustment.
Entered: 6:03
